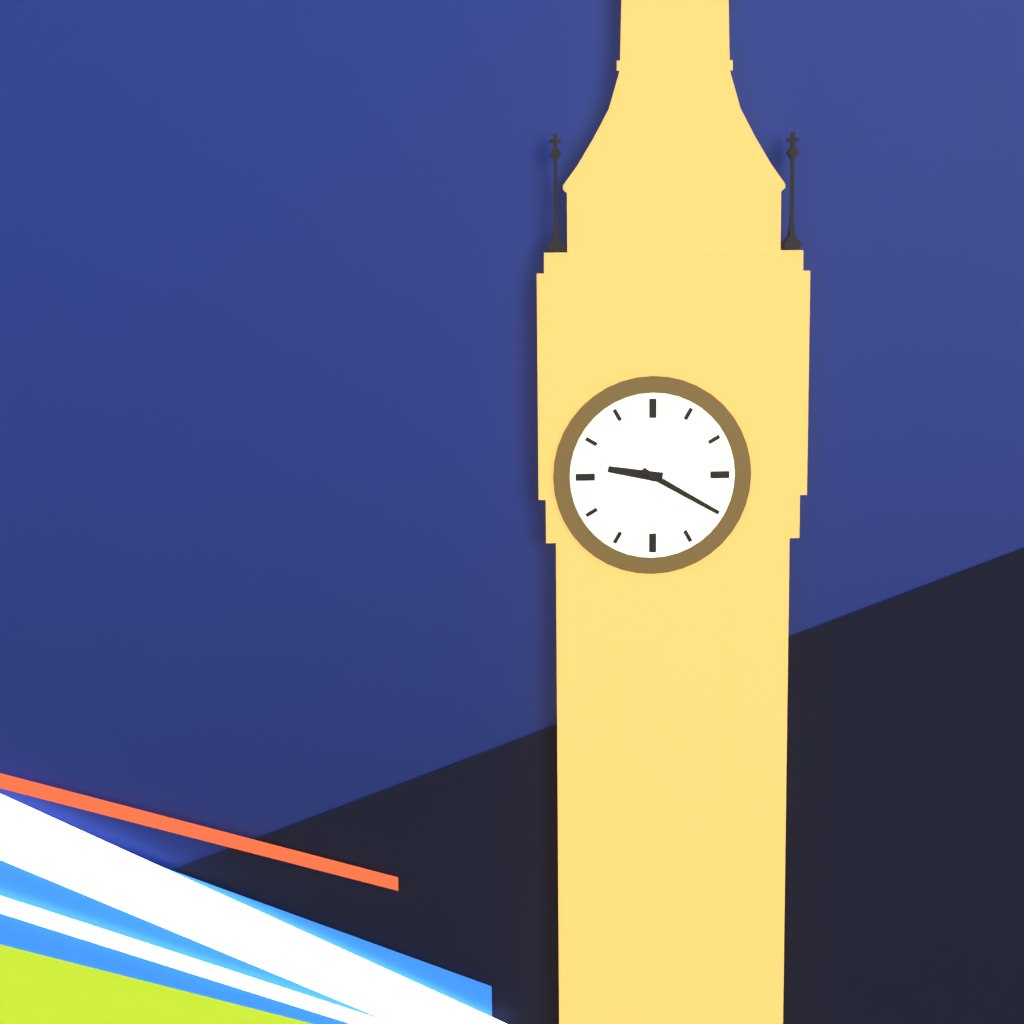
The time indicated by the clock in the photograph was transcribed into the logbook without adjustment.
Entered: 9:20
